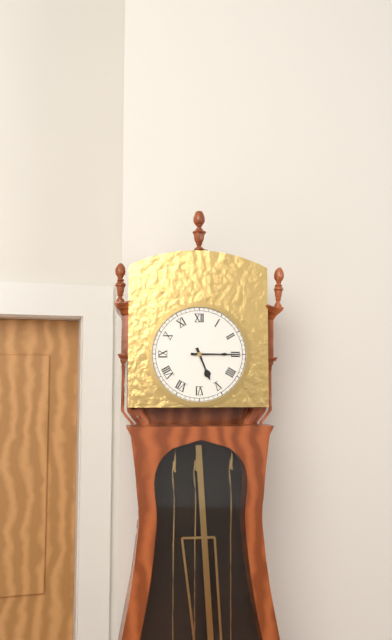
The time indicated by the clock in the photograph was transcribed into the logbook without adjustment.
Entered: 5:15
